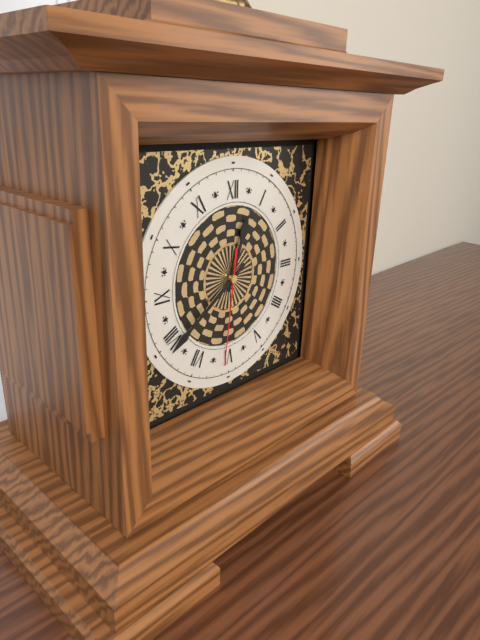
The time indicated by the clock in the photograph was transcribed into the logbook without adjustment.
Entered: 12:39:31
